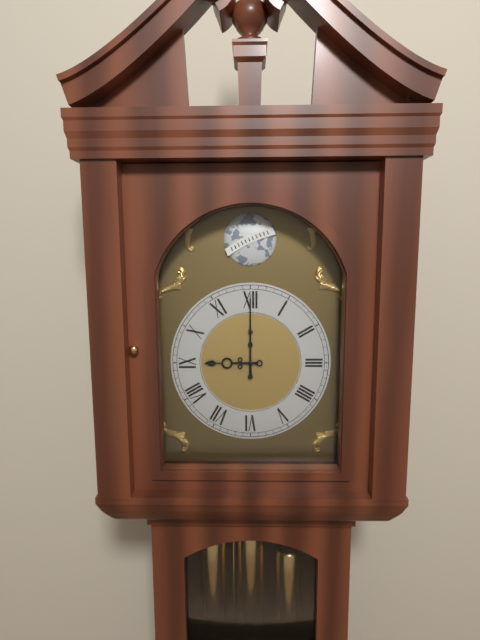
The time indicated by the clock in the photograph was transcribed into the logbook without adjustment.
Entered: 9:00
